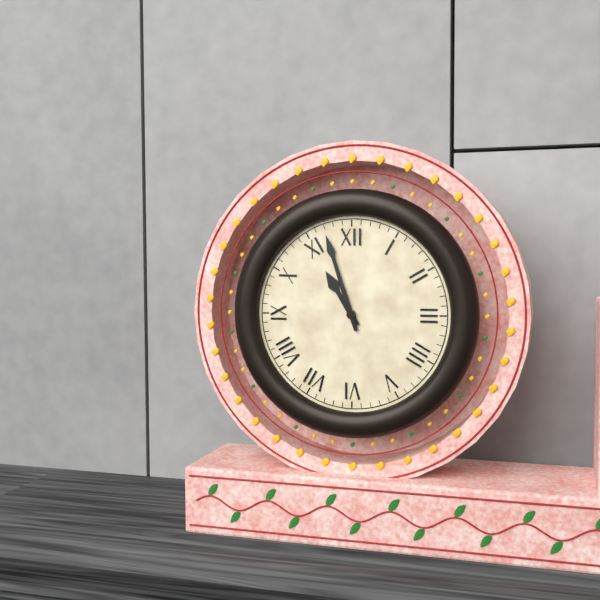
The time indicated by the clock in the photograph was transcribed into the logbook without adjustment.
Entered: 10:57
